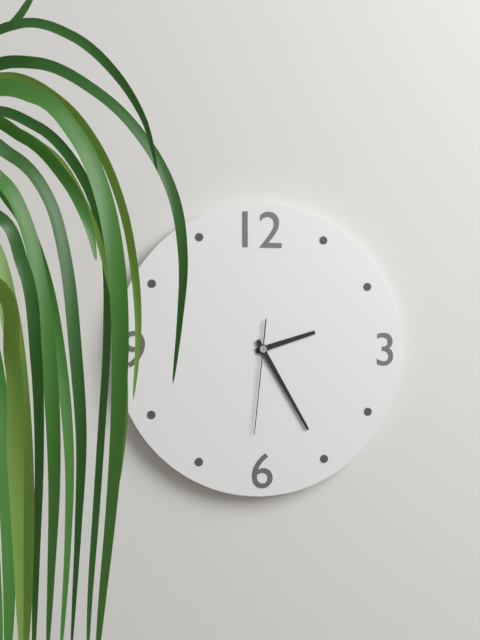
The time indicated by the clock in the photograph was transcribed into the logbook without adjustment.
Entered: 2:25:31
